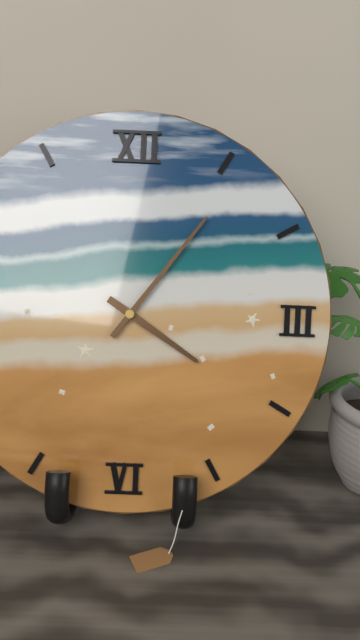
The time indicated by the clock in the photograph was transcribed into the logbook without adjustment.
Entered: 4:06
